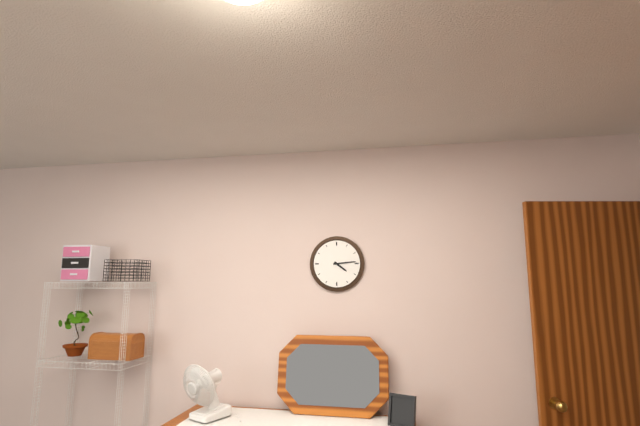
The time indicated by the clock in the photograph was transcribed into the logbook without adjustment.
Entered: 4:14
